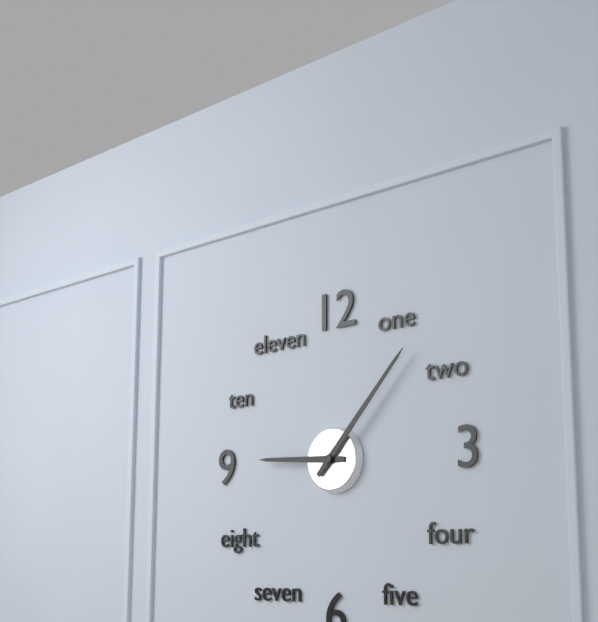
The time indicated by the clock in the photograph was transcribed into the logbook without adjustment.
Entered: 9:07
